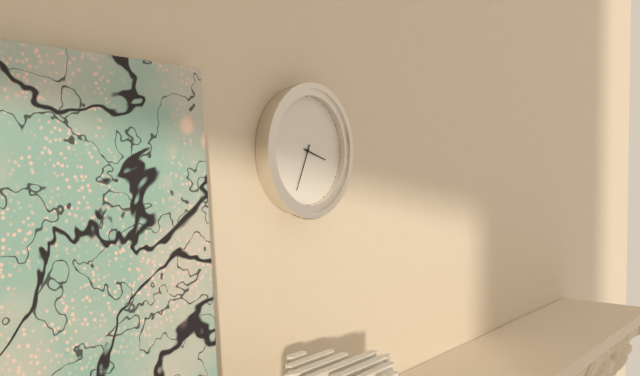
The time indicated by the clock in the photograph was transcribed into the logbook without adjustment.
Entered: 3:34
